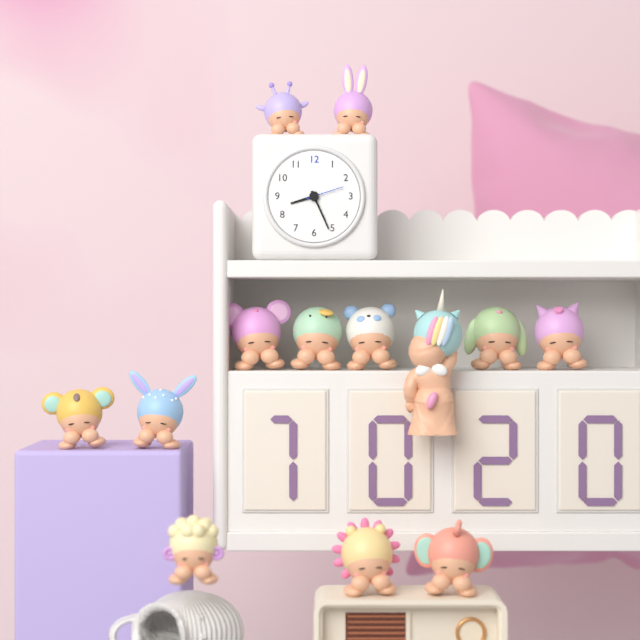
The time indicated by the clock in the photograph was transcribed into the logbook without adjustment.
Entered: 8:26
